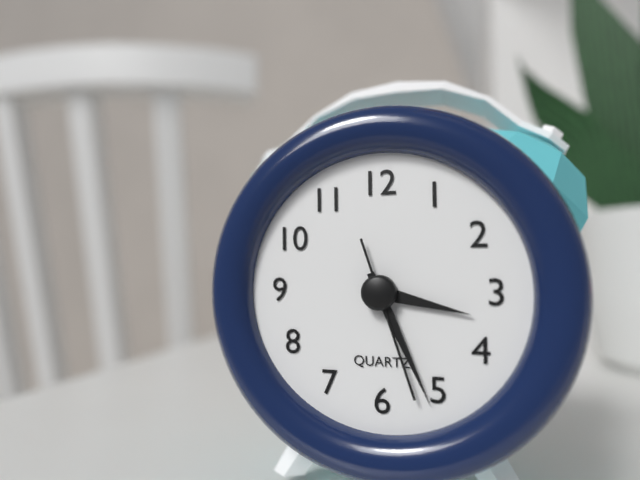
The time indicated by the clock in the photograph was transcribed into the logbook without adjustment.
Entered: 3:26:27
